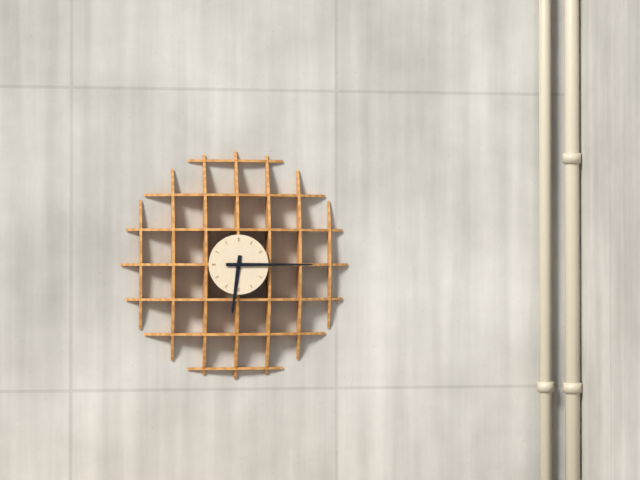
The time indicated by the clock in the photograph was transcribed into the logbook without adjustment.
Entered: 6:15
